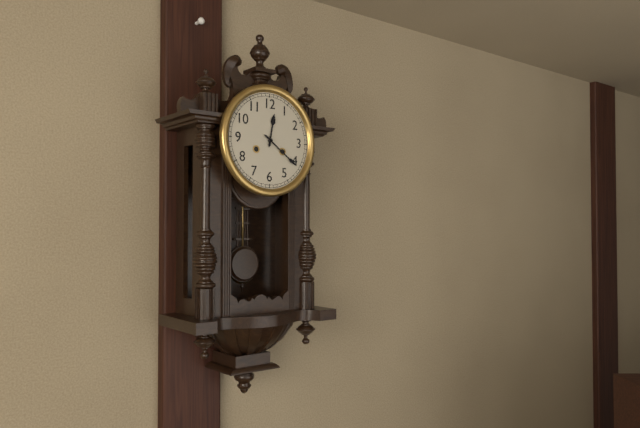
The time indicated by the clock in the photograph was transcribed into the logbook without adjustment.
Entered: 12:21
